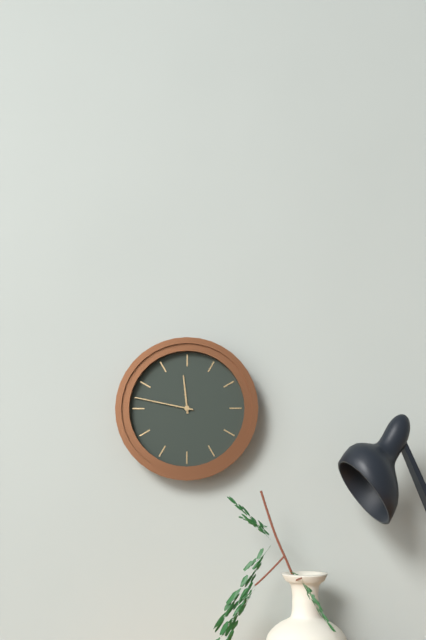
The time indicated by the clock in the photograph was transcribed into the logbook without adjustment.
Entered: 11:47
